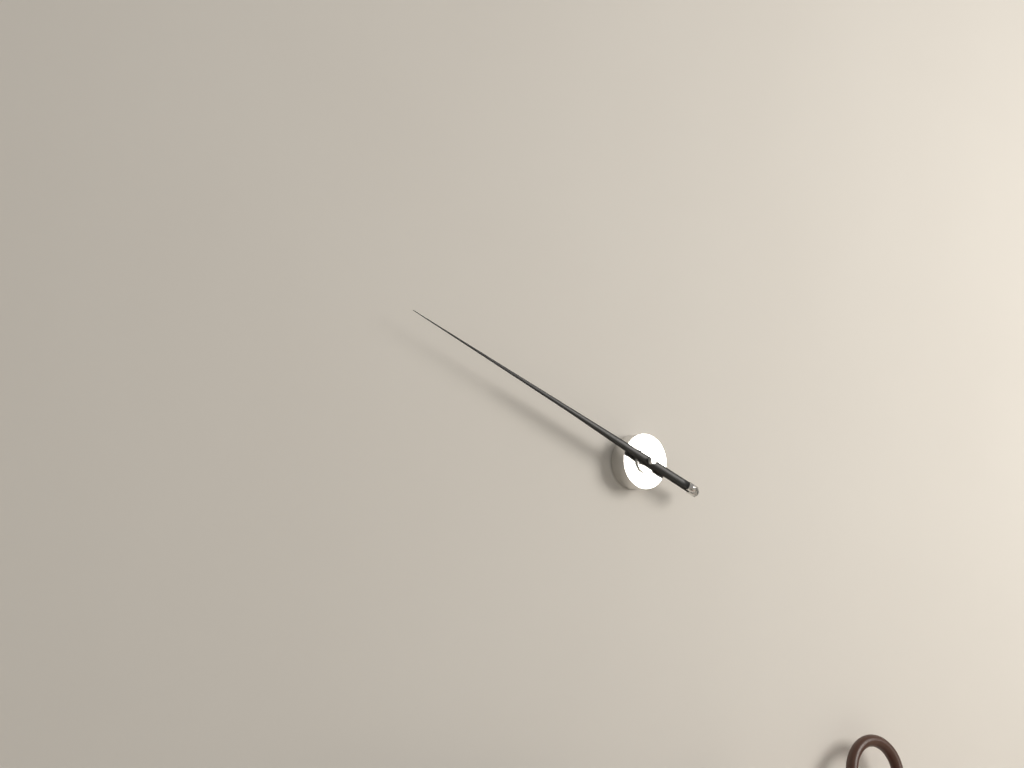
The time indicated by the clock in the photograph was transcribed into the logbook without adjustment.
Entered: 9:49
